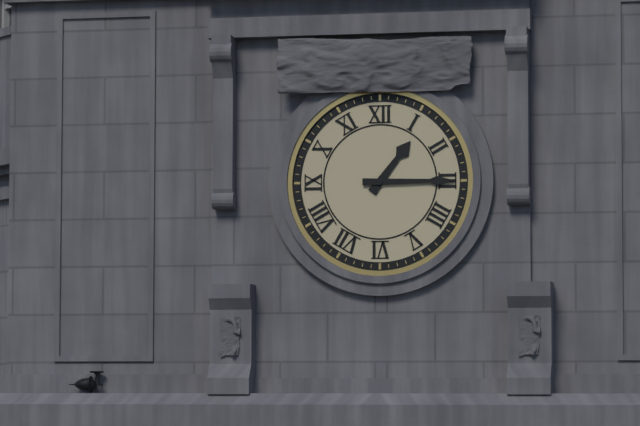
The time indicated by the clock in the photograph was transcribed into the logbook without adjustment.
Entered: 1:15
